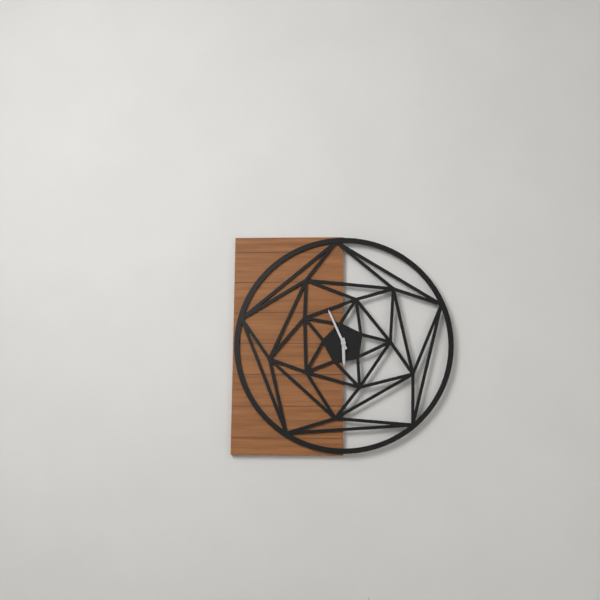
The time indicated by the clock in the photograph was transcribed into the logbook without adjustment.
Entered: 5:56
